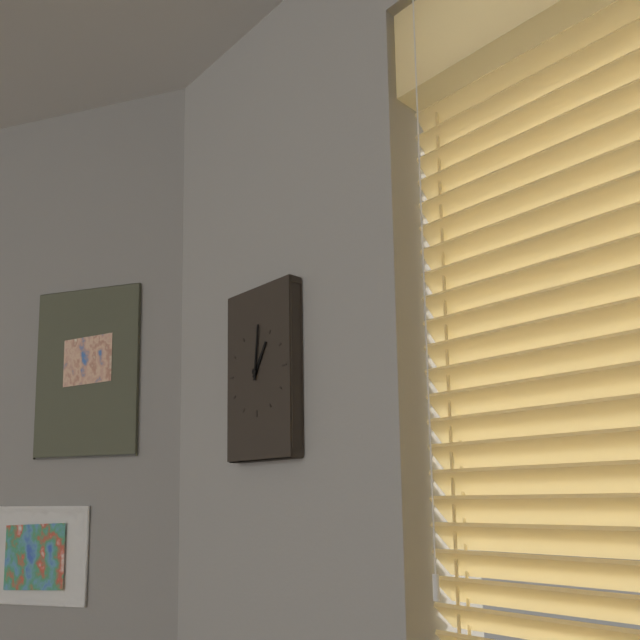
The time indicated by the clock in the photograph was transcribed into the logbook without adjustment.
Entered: 1:01
